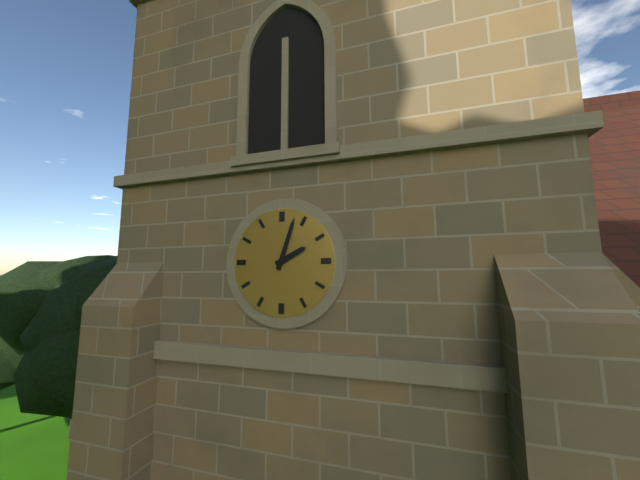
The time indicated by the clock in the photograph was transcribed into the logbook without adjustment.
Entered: 2:03
